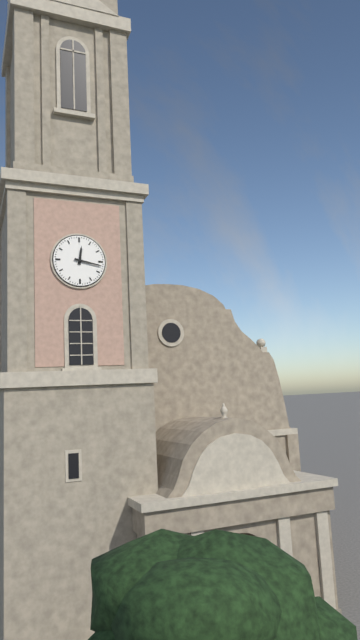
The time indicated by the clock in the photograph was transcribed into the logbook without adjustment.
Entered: 12:17
